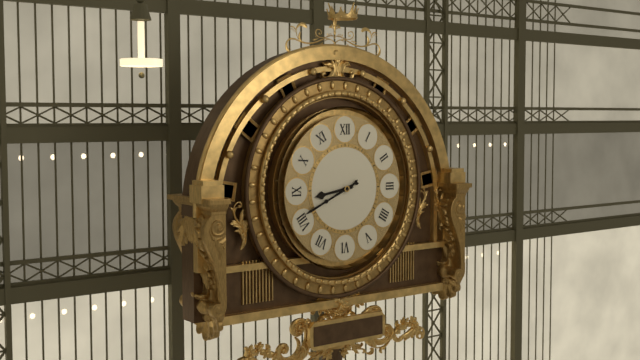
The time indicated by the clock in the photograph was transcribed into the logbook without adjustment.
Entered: 8:41
